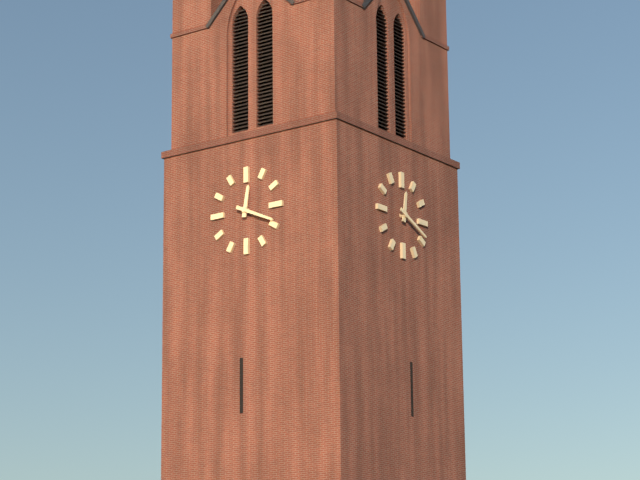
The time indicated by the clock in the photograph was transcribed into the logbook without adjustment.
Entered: 12:19
